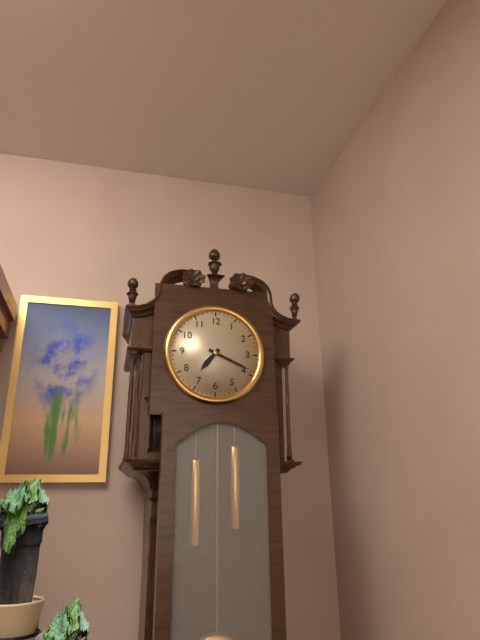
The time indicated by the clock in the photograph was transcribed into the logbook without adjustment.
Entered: 7:19
